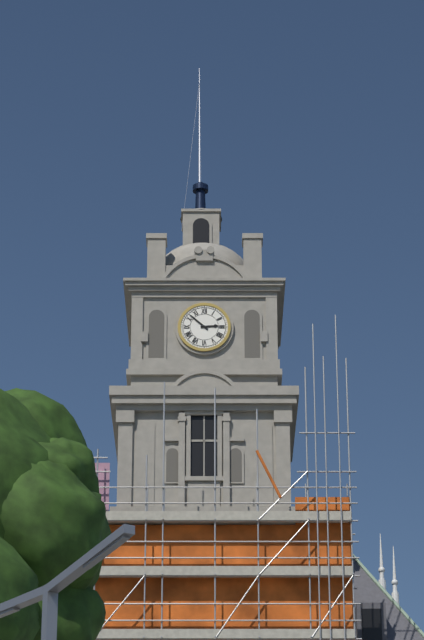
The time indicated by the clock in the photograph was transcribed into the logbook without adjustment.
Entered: 2:52
